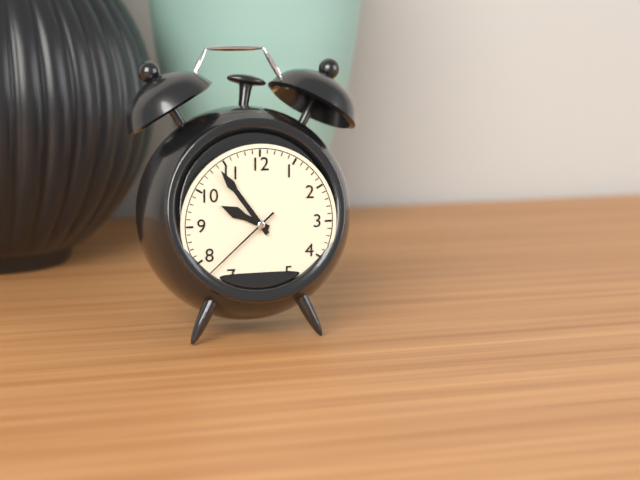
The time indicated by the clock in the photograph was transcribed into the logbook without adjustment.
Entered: 9:54:38
